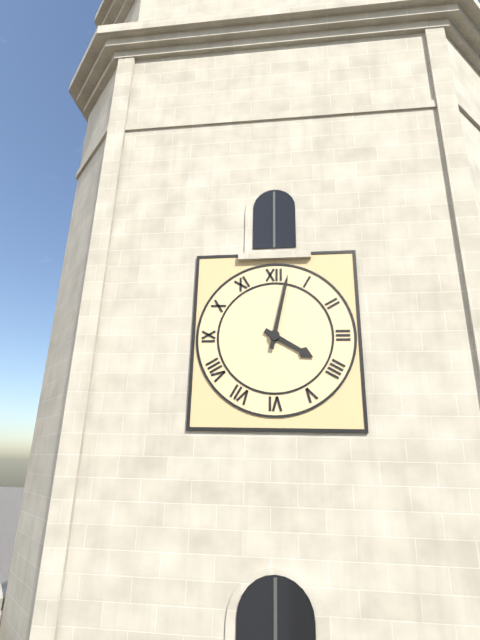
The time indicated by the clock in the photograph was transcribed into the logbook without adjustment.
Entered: 4:02
